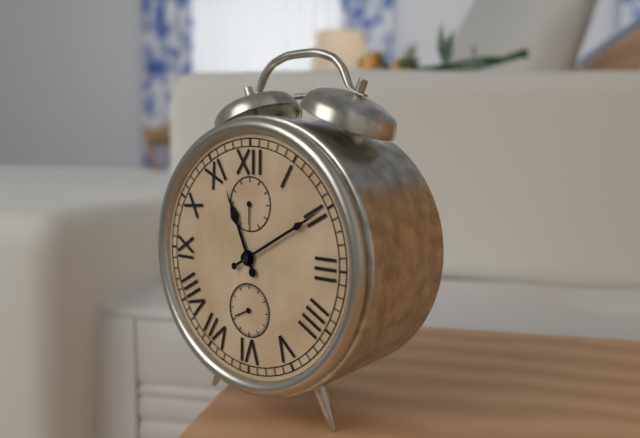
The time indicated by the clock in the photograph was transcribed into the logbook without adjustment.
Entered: 11:10
